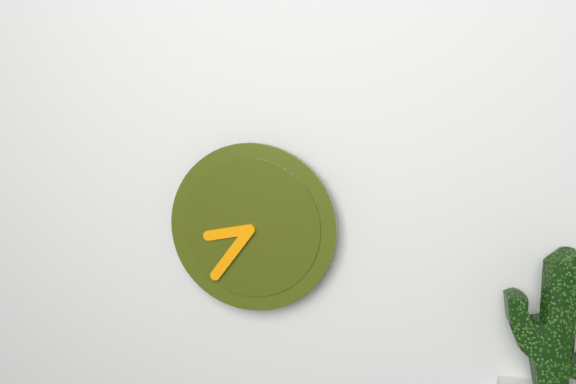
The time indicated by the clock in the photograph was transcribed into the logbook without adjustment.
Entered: 8:36
